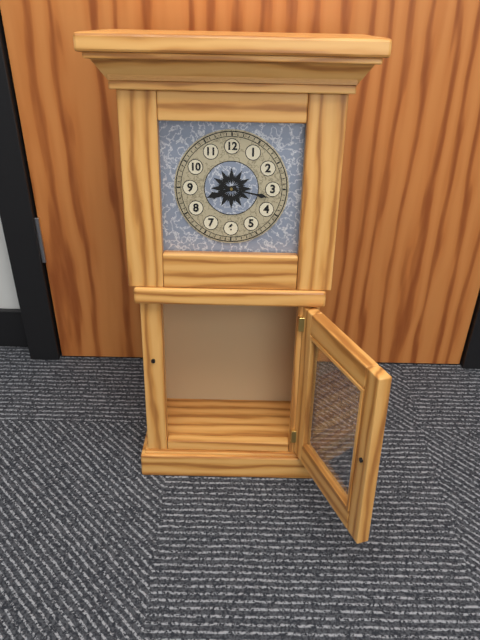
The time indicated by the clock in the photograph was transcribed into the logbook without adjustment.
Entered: 8:17
